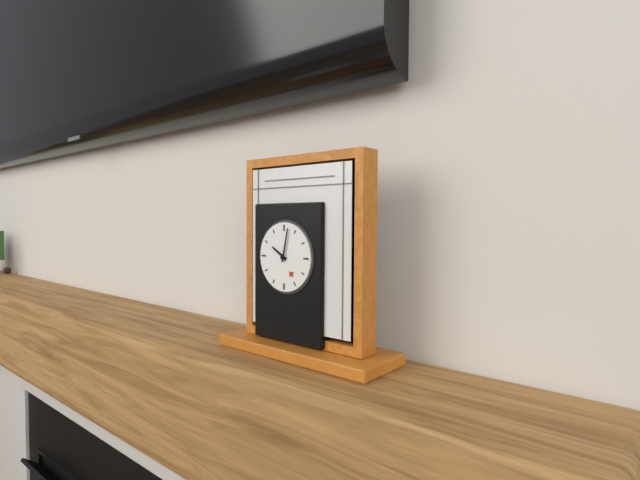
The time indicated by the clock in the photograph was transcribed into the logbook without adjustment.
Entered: 10:02
